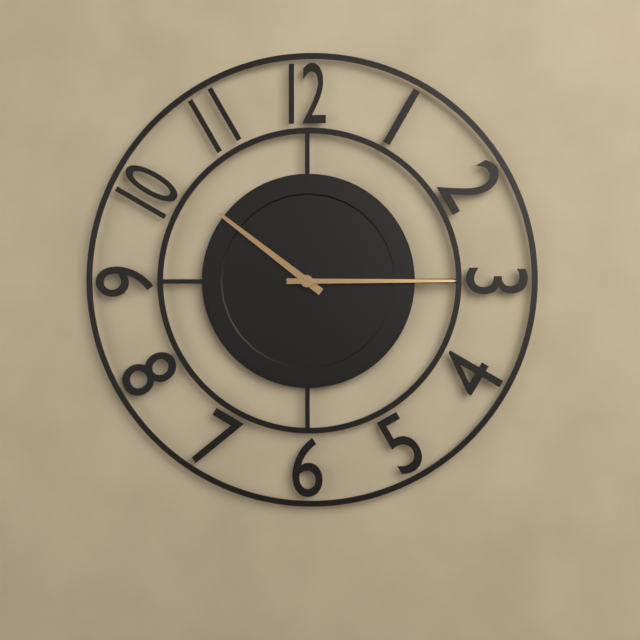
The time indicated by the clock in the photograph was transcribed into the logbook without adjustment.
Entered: 10:15
